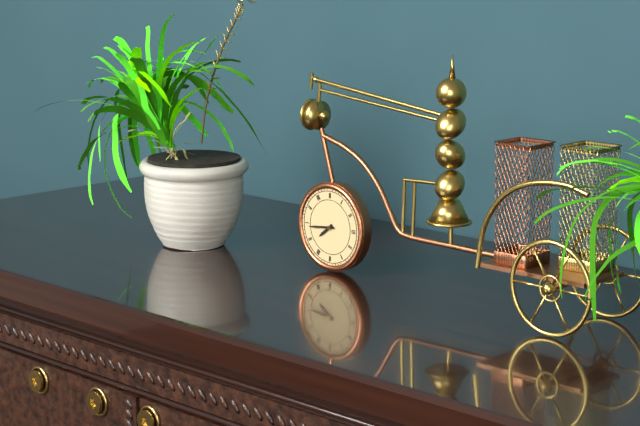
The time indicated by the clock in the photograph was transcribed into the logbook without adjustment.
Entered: 7:44
